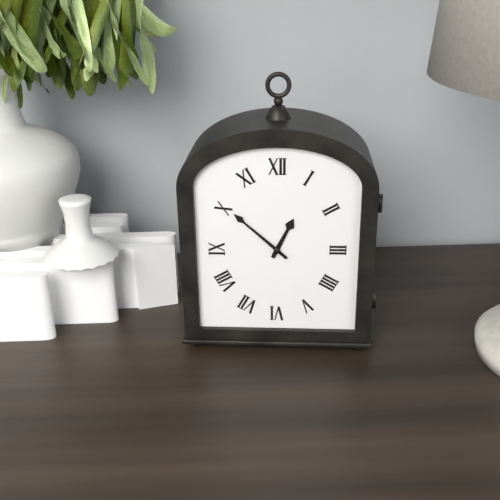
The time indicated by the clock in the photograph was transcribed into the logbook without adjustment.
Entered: 12:52
